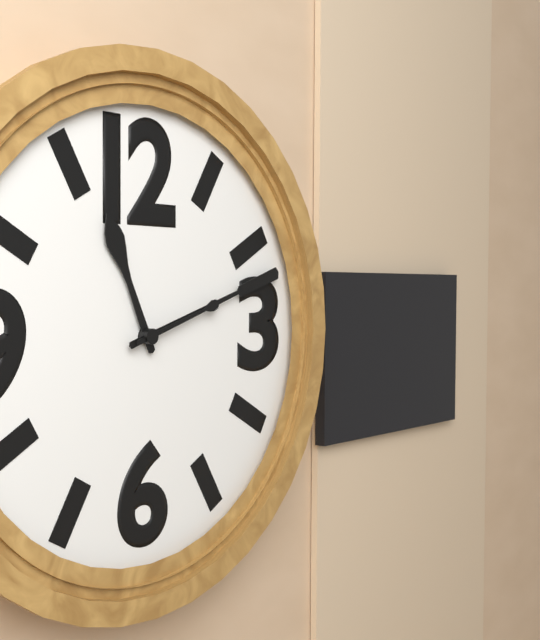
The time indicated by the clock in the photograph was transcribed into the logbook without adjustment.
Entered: 11:12:12
